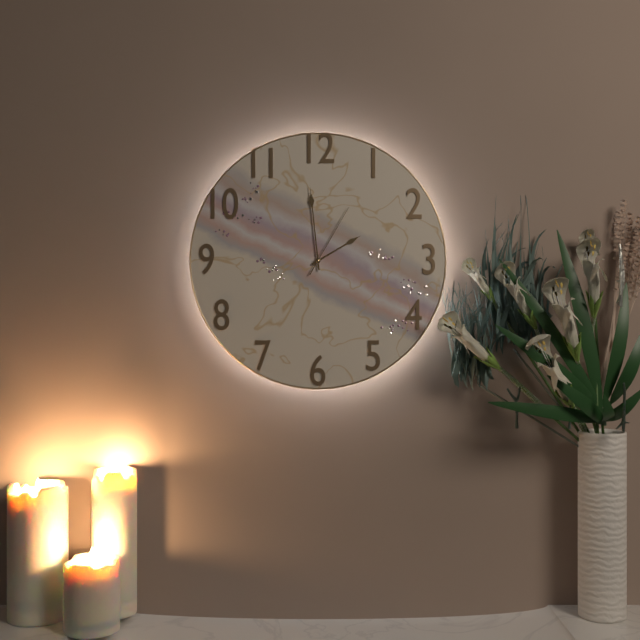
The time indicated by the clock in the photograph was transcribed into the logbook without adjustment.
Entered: 1:59:05
